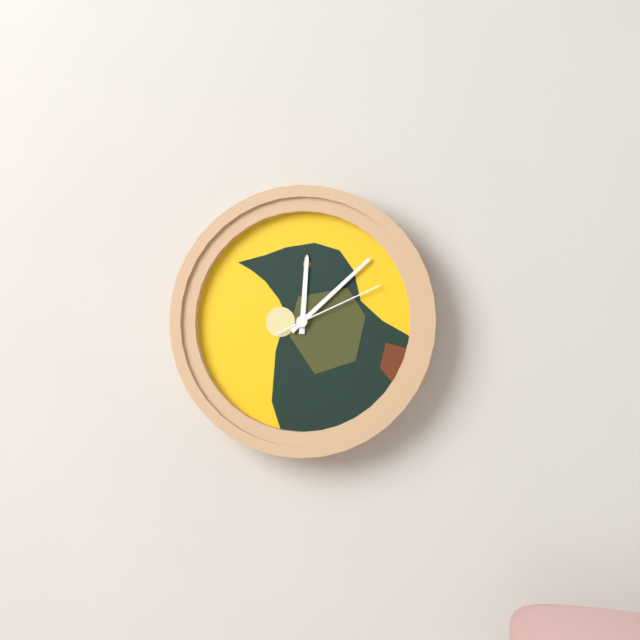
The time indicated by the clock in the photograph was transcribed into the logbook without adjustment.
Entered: 12:08:11
